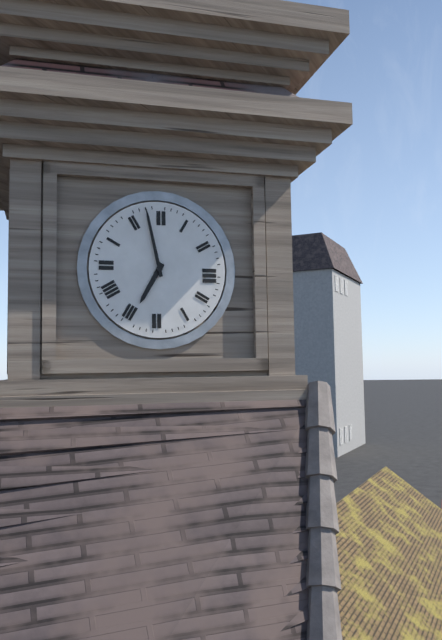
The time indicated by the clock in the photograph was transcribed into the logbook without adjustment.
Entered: 6:58
